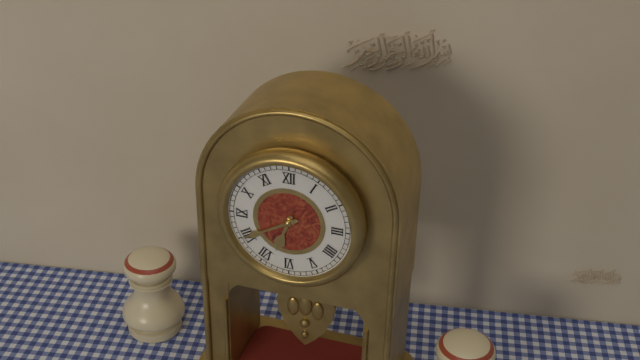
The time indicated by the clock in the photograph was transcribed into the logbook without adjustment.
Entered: 6:40
